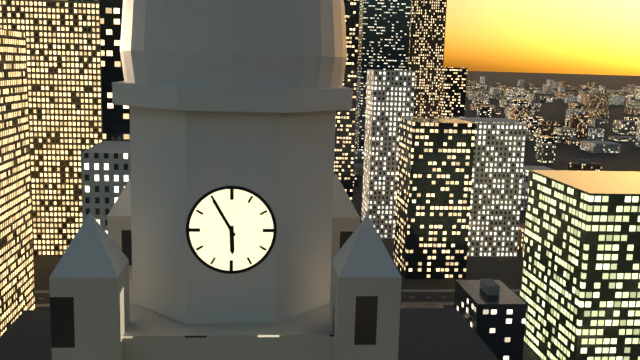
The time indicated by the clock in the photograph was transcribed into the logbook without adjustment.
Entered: 5:55
